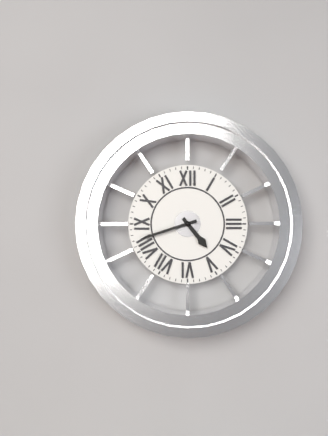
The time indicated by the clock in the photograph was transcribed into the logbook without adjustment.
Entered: 4:42
